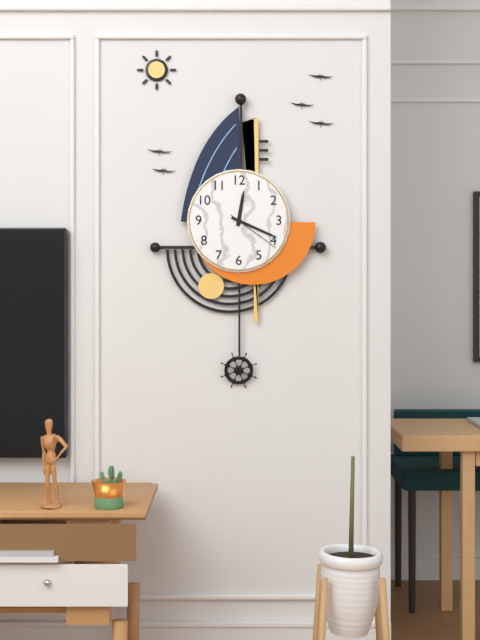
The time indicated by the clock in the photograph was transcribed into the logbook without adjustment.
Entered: 12:19:21
